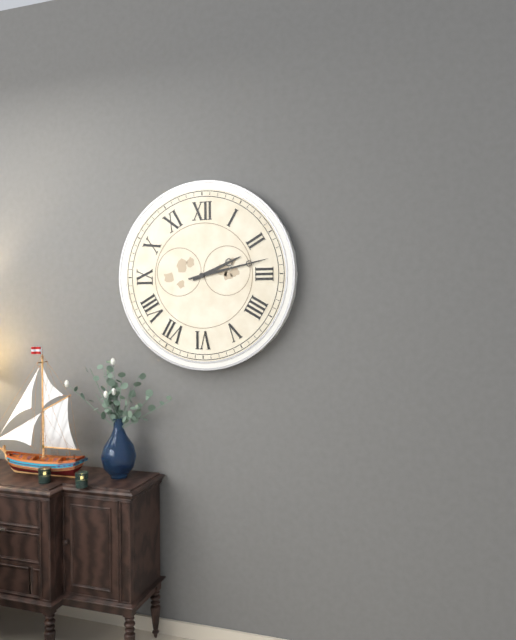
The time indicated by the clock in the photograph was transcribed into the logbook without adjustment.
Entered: 2:13
